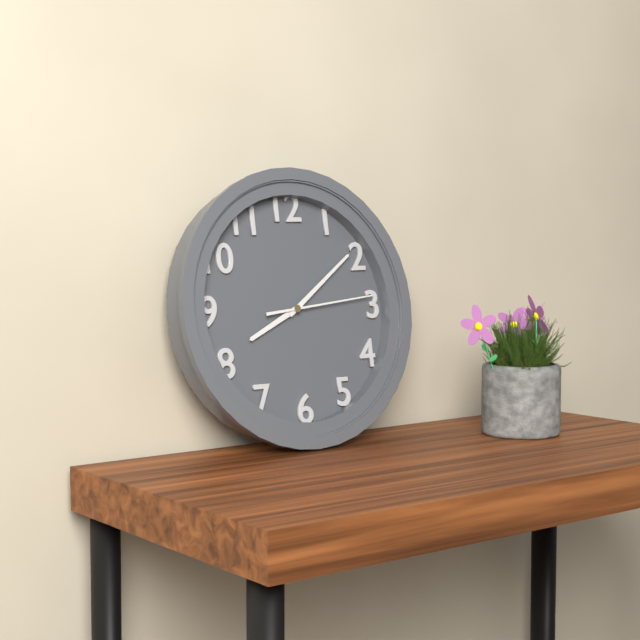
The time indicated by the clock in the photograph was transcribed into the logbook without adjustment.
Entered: 8:09:14
